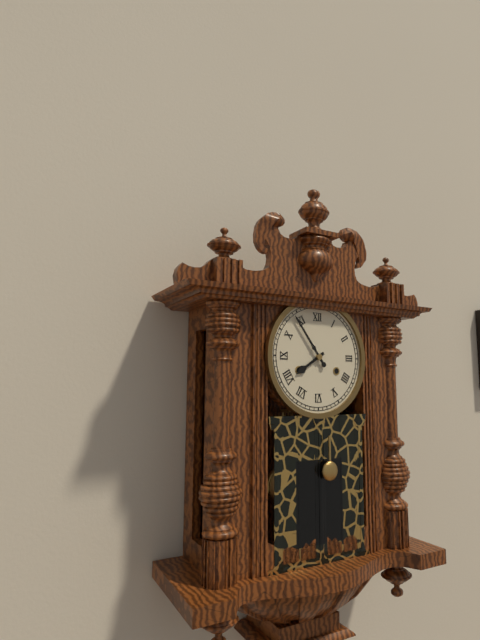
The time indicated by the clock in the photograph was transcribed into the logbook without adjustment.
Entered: 7:54
